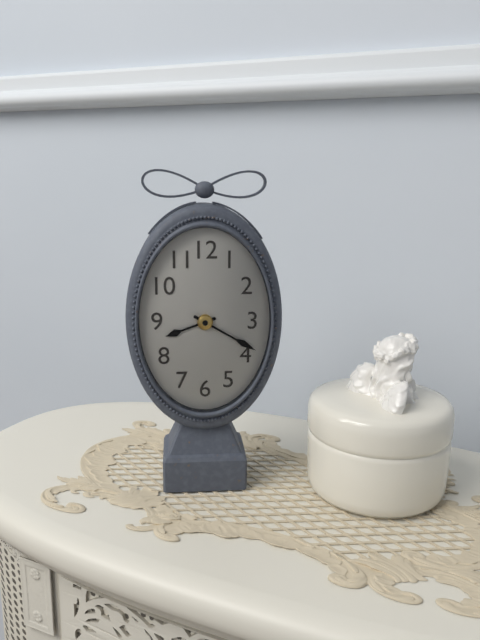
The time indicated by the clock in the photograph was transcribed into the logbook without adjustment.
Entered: 8:20
